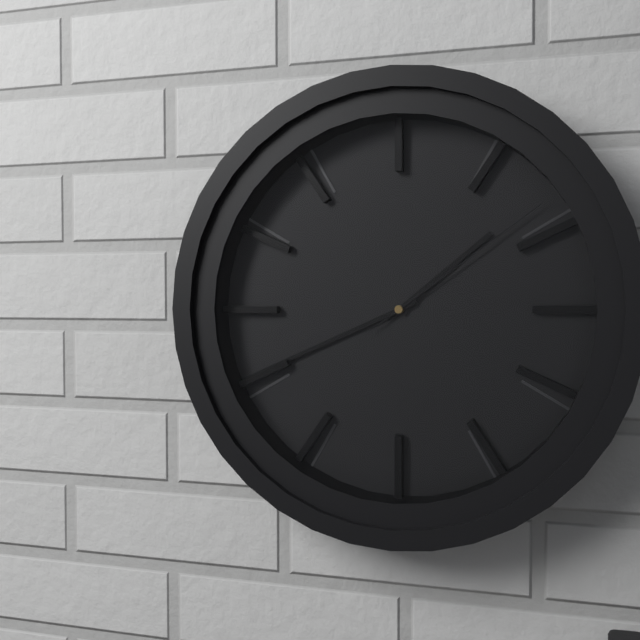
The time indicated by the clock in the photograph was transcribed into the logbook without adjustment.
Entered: 1:41:09
